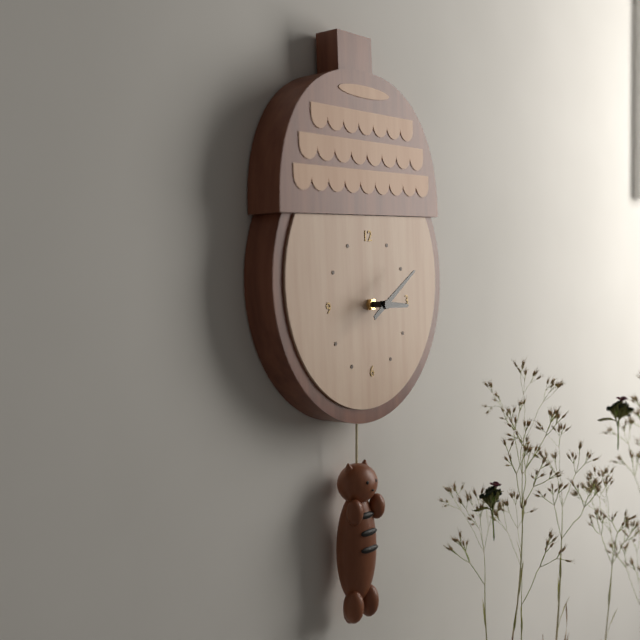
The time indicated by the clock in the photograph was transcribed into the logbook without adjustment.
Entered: 3:10
